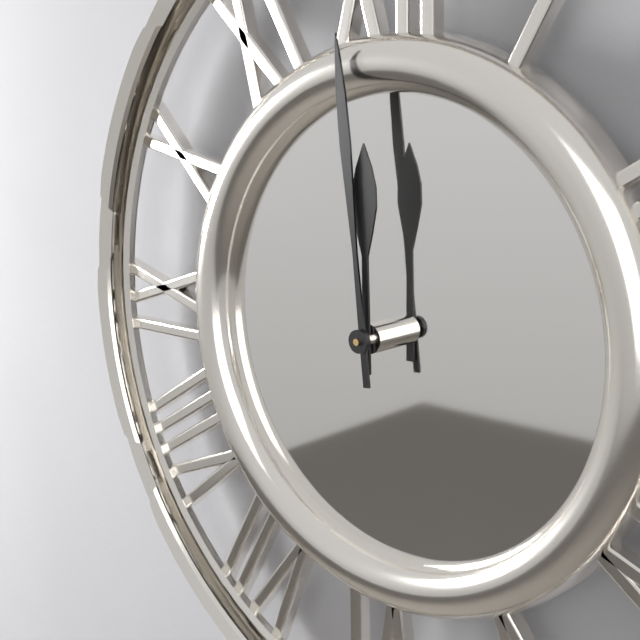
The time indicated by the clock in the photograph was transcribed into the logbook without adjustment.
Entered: 11:59
